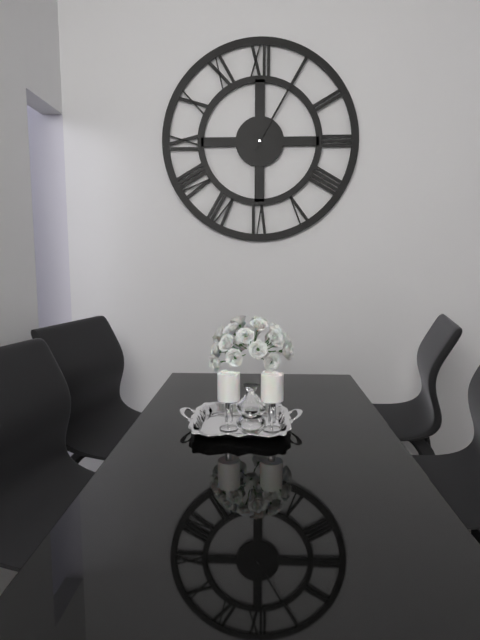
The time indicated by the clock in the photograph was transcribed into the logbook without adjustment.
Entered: 6:05
